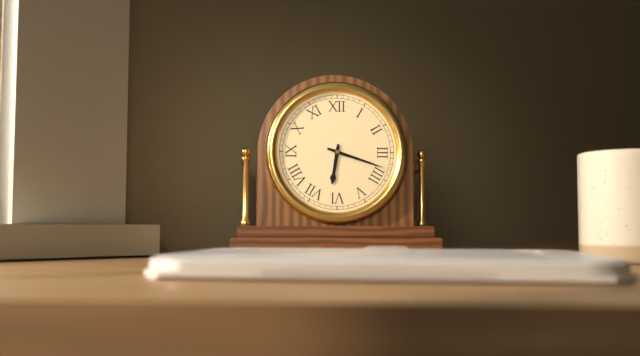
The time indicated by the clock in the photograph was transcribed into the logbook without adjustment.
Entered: 6:18
